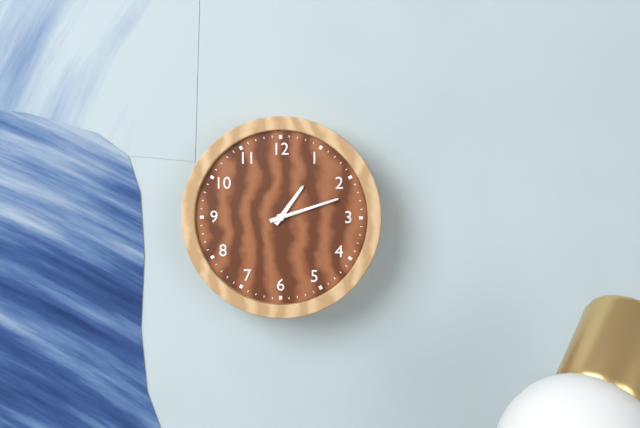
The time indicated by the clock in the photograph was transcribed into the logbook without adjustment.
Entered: 1:12
